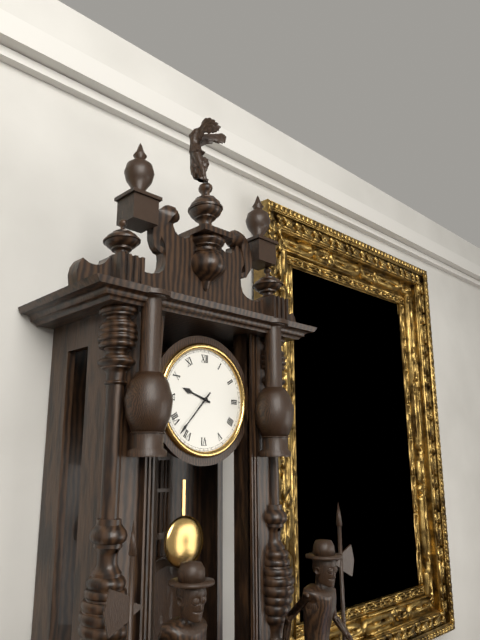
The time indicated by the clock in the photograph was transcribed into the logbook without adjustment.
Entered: 9:37
